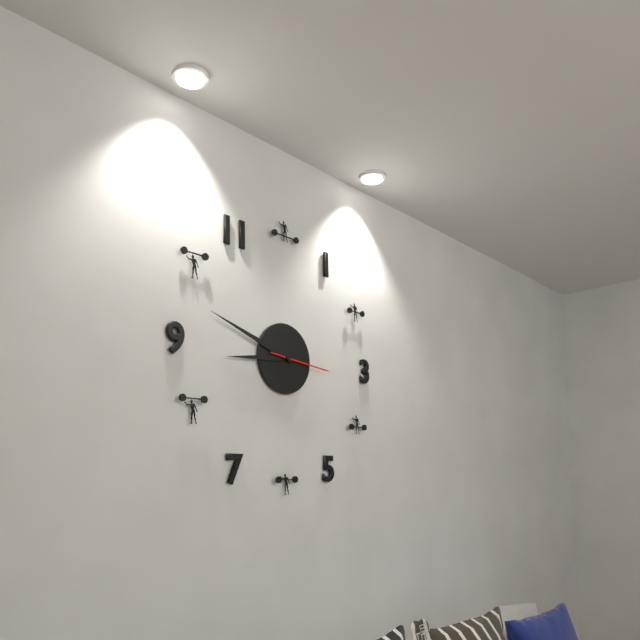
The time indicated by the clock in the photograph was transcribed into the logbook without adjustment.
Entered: 8:48:16
